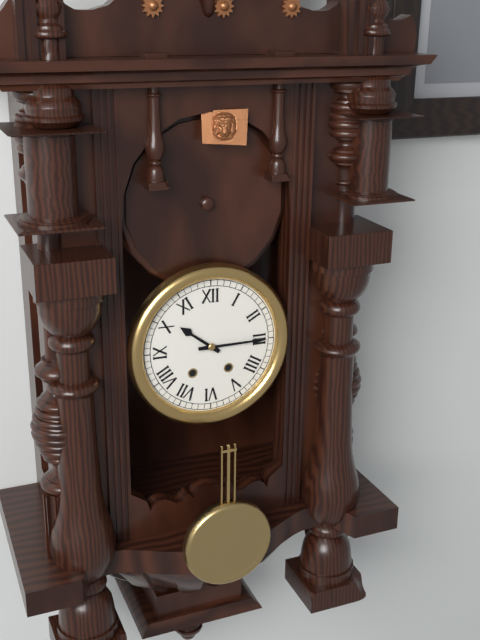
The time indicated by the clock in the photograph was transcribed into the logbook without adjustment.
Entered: 10:15
